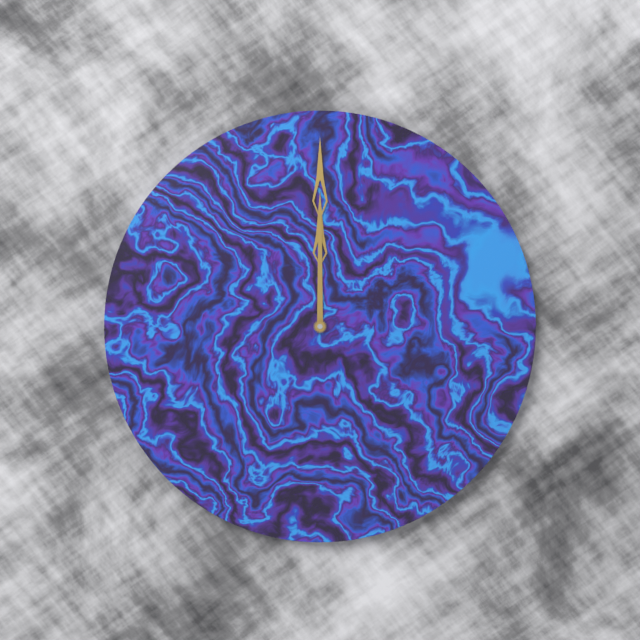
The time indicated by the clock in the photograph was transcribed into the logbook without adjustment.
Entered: 12:00
